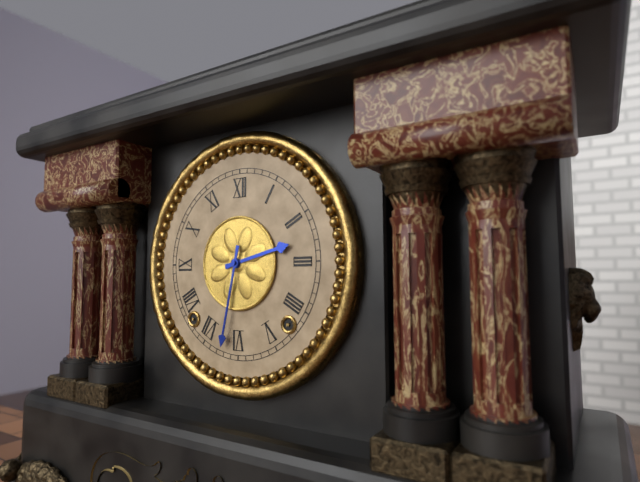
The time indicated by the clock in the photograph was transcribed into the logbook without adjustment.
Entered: 2:32
